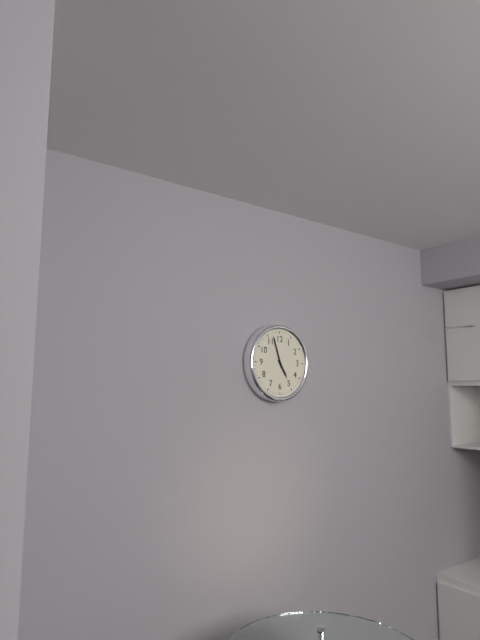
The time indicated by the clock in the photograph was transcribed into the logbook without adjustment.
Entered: 4:57
